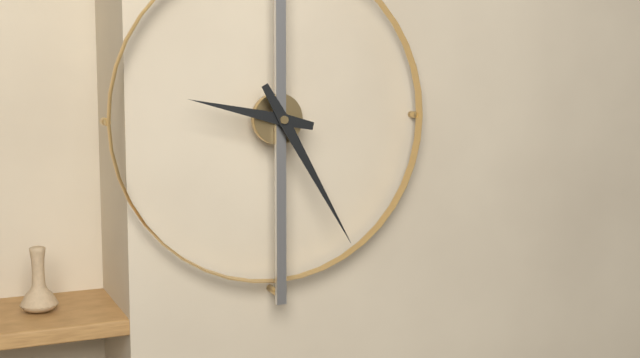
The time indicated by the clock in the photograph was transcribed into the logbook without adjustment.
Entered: 9:25
